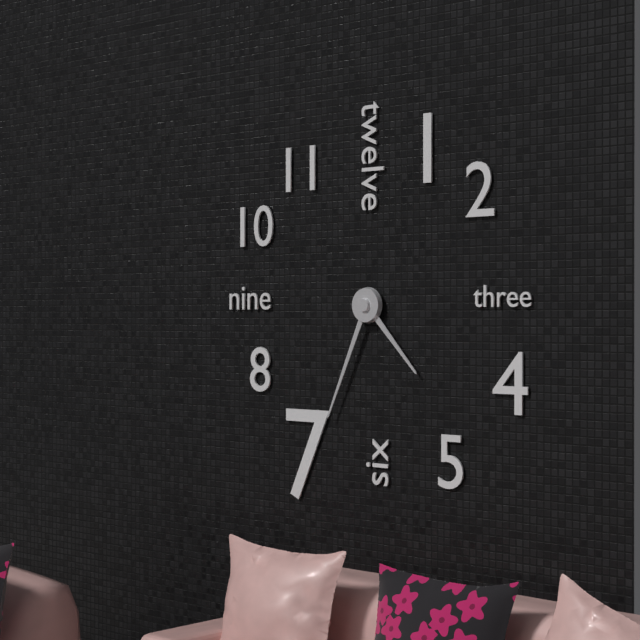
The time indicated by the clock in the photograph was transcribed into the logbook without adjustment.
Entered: 4:34
